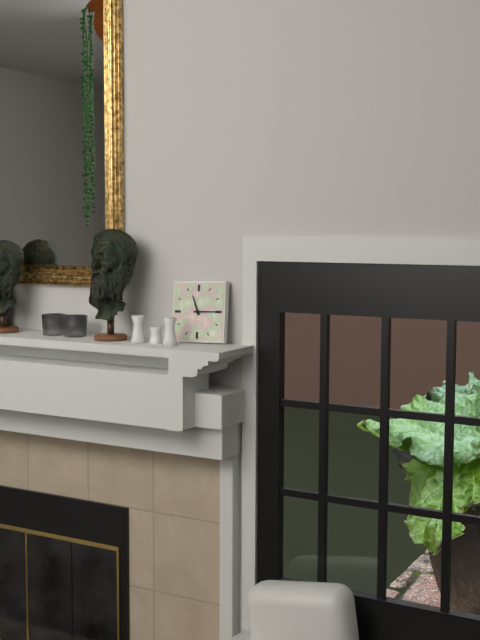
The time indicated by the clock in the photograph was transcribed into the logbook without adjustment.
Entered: 11:15
